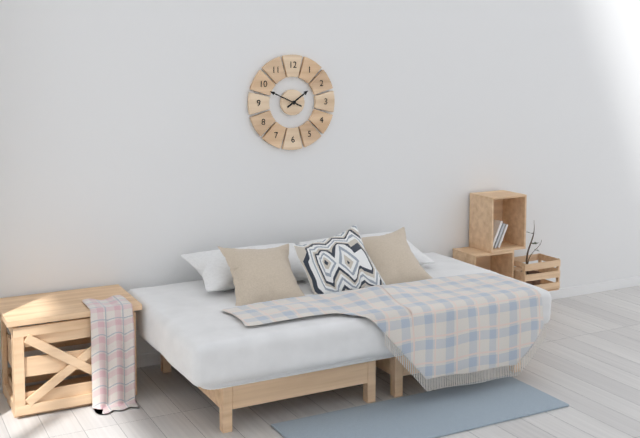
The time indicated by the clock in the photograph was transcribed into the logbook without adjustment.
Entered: 1:49
